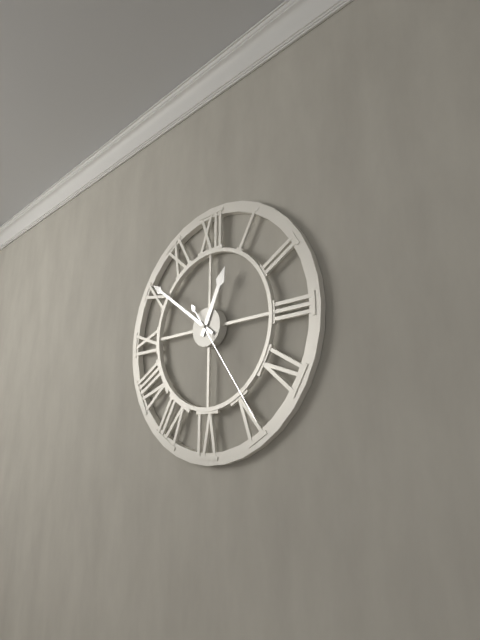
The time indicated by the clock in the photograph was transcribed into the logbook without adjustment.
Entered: 12:51:24
